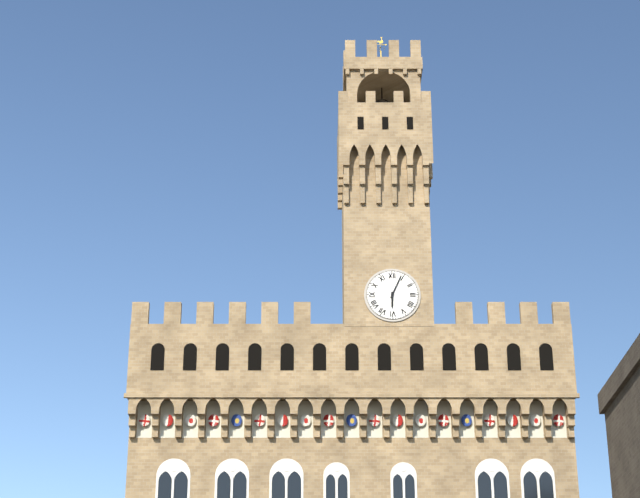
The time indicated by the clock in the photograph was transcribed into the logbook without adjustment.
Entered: 6:04
